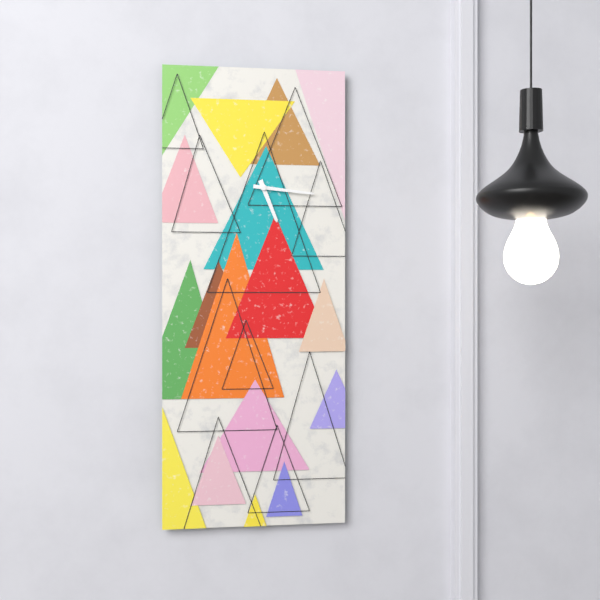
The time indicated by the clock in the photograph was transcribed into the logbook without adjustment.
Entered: 5:16
